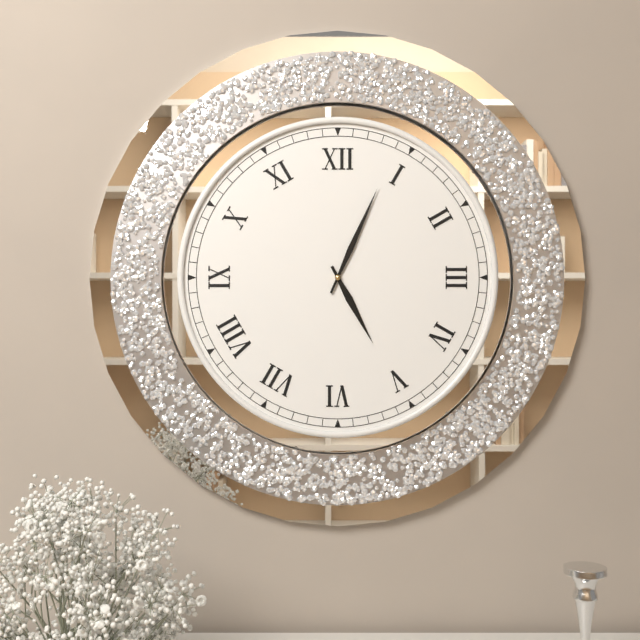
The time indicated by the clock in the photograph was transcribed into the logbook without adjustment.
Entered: 5:04
